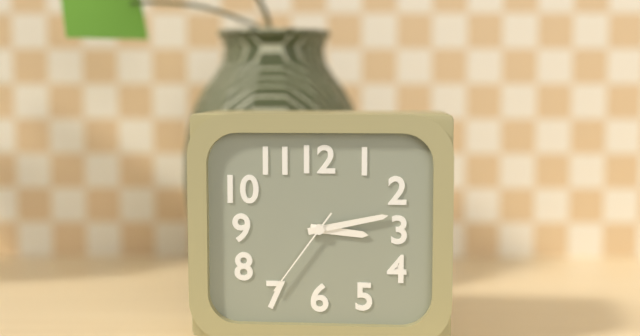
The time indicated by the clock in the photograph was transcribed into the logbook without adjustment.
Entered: 3:13:36
